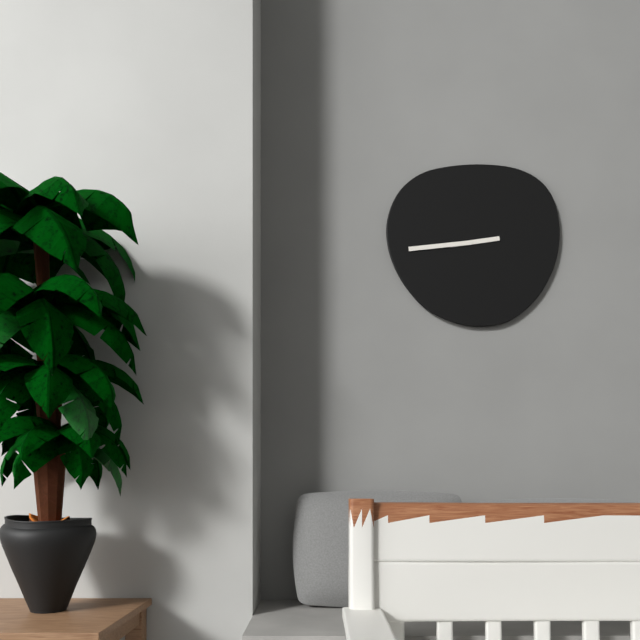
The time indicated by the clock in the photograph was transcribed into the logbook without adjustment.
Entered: 2:44
